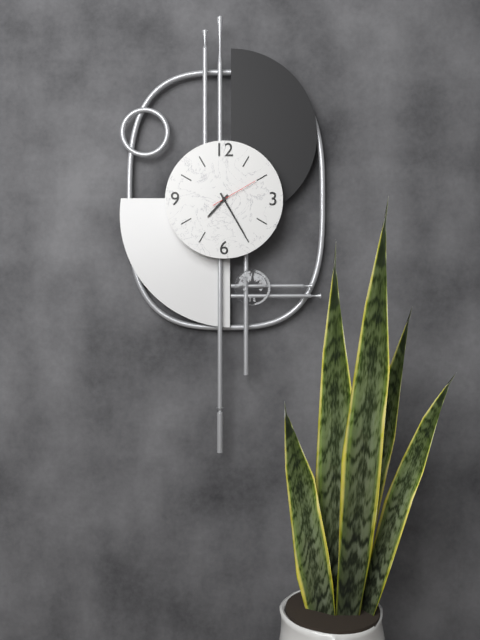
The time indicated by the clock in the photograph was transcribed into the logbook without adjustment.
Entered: 7:25
